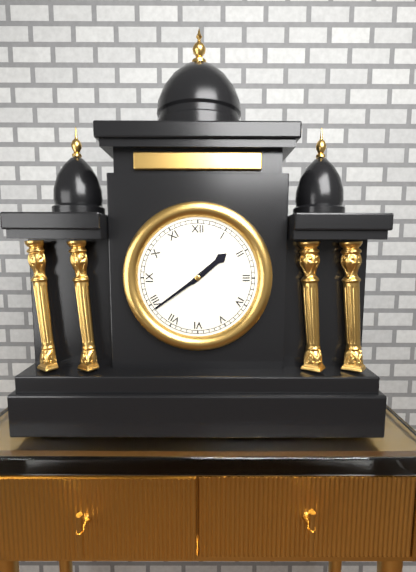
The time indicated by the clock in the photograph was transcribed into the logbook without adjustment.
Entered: 1:39
